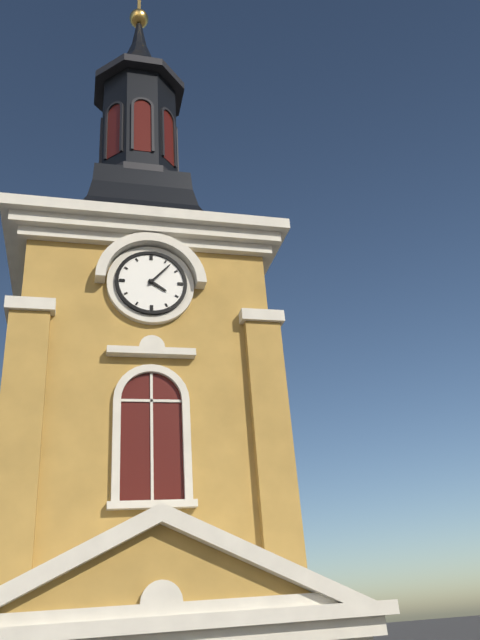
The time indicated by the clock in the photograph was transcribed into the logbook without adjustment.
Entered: 4:07
